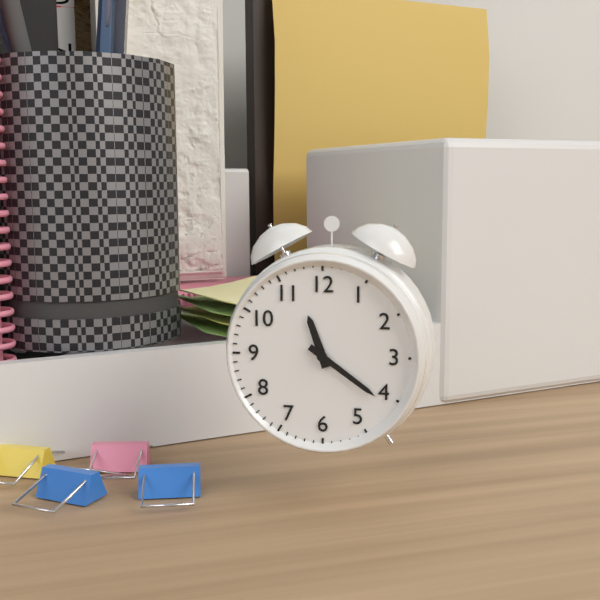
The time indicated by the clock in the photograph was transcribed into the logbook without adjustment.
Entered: 11:21
